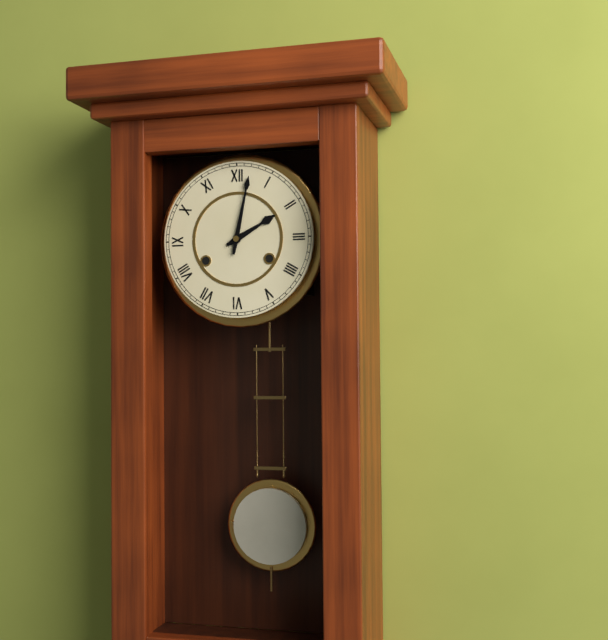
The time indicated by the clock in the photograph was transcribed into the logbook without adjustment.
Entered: 2:02
